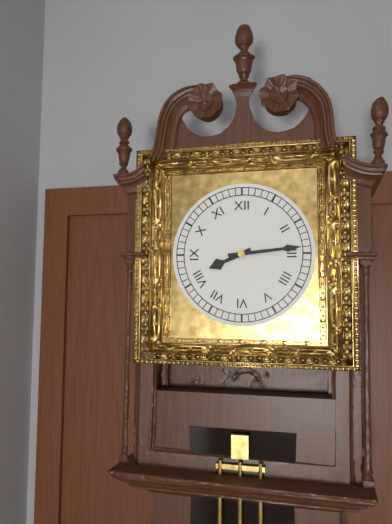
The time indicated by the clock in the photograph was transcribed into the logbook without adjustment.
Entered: 8:14
